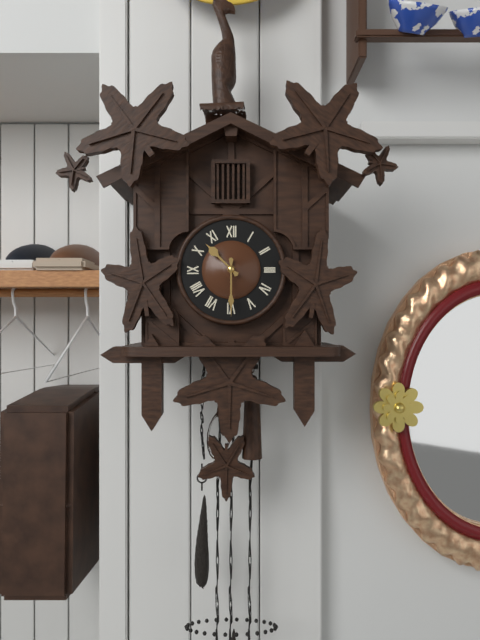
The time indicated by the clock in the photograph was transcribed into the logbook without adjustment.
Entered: 10:30
